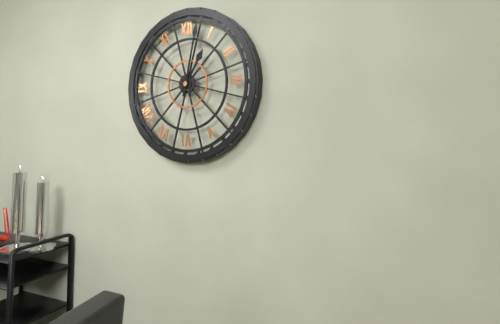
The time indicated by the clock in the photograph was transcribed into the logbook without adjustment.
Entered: 1:02
